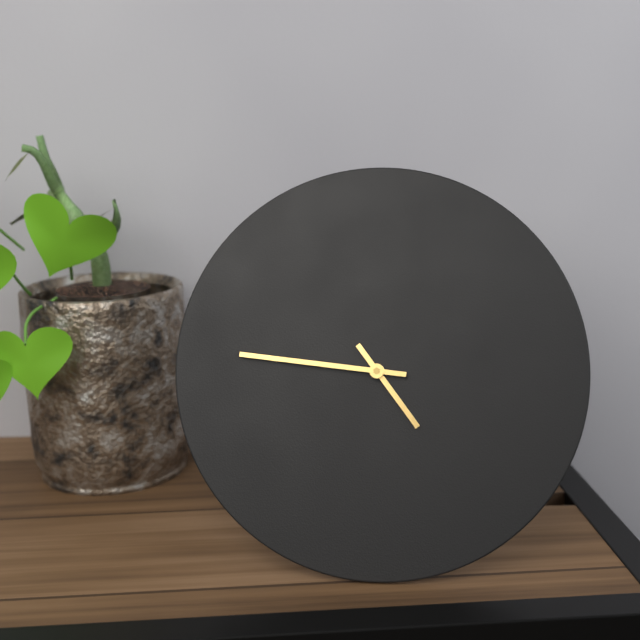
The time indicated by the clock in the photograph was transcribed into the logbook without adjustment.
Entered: 4:46
